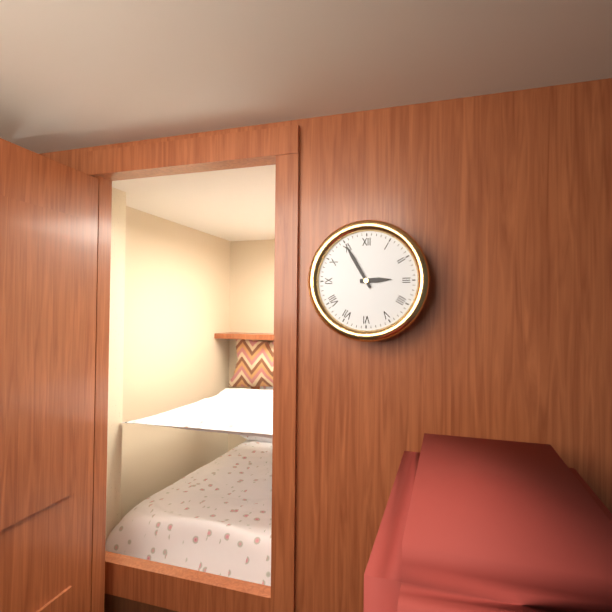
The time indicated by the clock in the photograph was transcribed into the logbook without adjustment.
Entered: 2:55
